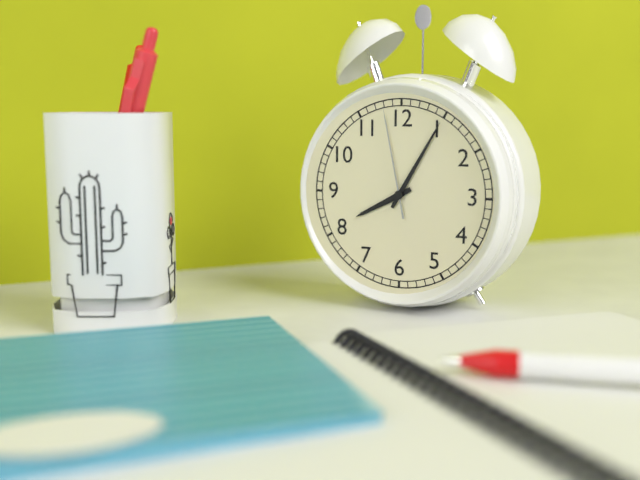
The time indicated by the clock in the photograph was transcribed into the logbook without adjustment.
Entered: 8:05:58
